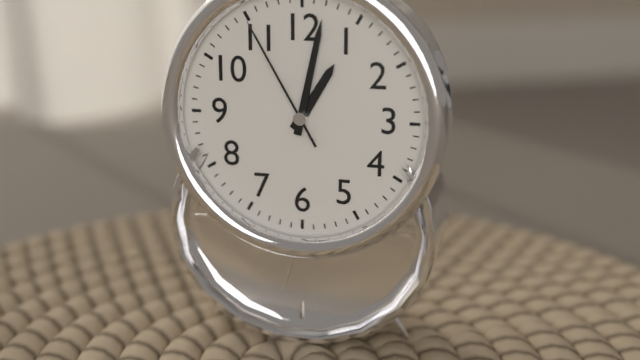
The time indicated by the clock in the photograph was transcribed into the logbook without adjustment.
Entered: 1:02:55
